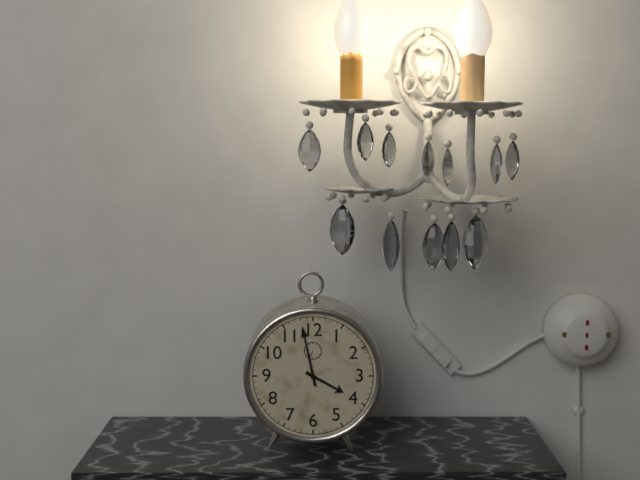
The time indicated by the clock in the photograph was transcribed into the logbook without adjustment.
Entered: 3:58
